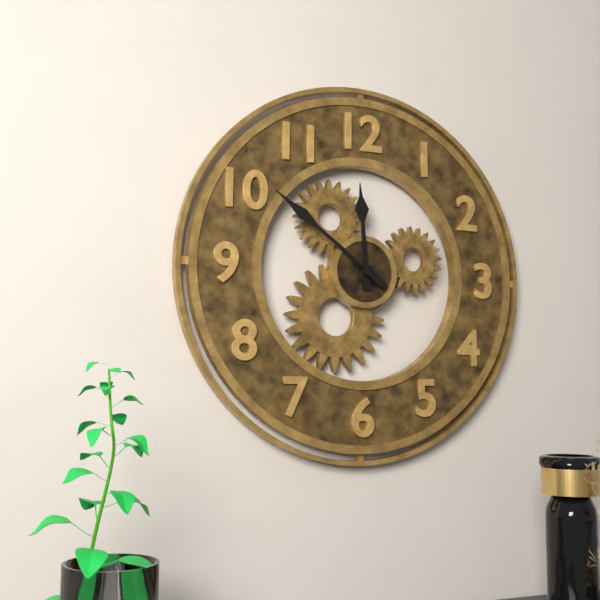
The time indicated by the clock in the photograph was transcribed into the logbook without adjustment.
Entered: 11:51
